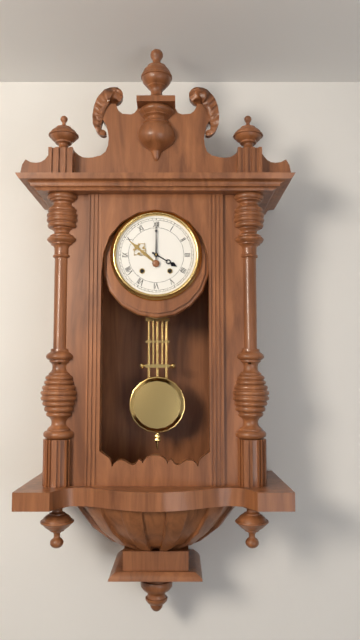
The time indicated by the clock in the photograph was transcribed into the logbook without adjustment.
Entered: 4:00
